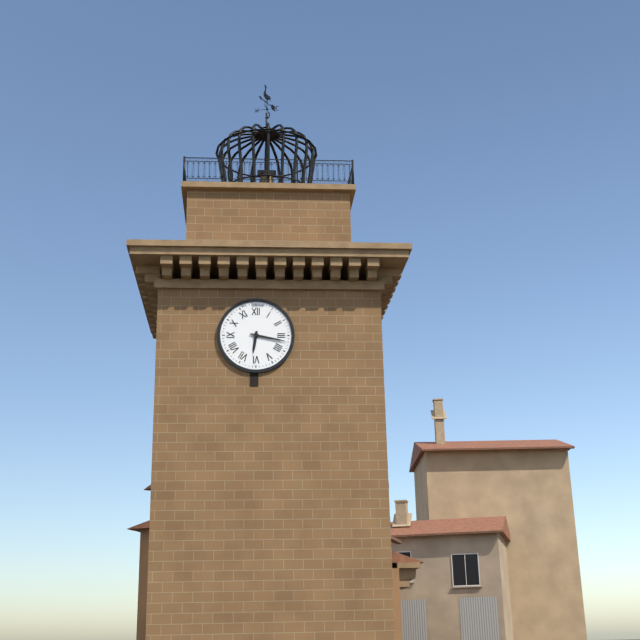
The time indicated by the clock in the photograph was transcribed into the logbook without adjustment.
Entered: 6:17
